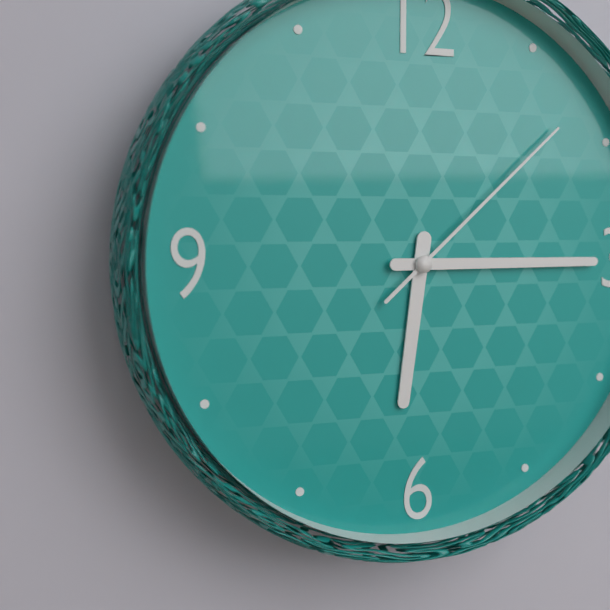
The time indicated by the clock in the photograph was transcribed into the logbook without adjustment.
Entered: 6:15:08
